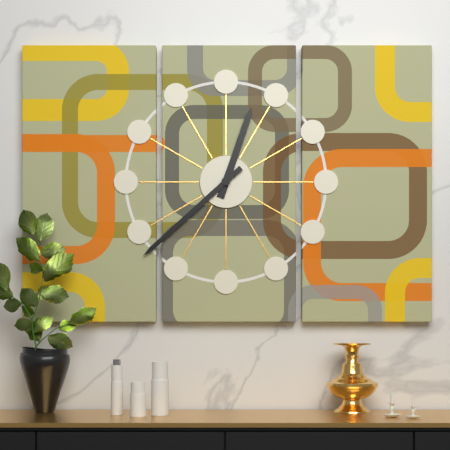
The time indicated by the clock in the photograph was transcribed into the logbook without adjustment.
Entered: 12:38
